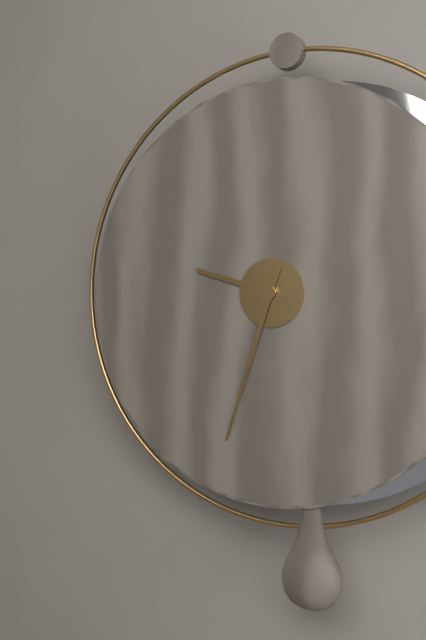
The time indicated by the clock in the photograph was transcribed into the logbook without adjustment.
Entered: 9:33
